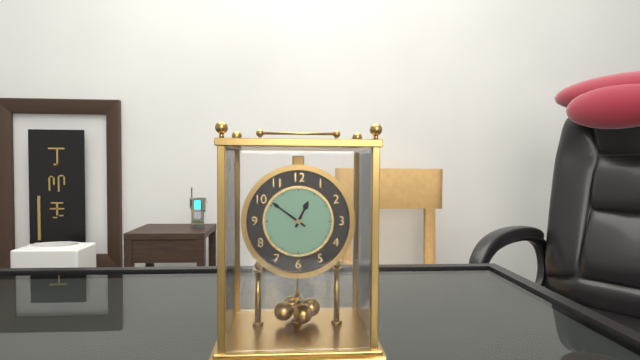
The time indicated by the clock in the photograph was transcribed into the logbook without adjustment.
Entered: 12:51
